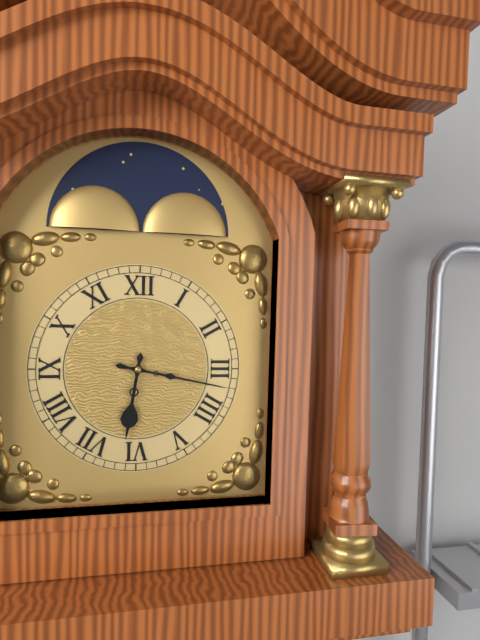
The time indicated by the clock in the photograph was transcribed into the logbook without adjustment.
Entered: 6:17
